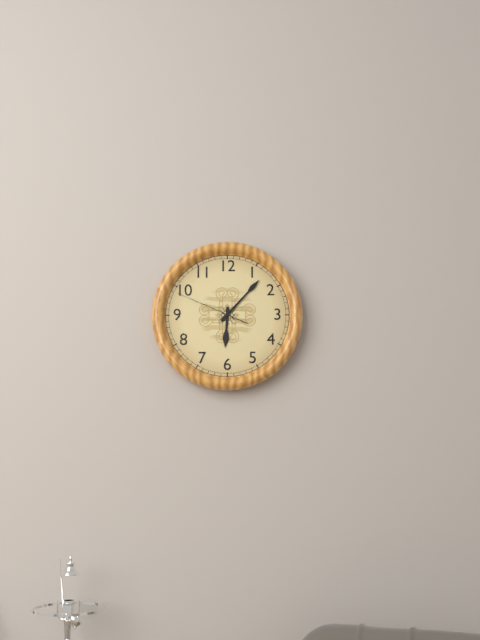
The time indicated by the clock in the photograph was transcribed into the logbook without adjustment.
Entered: 6:07:49
